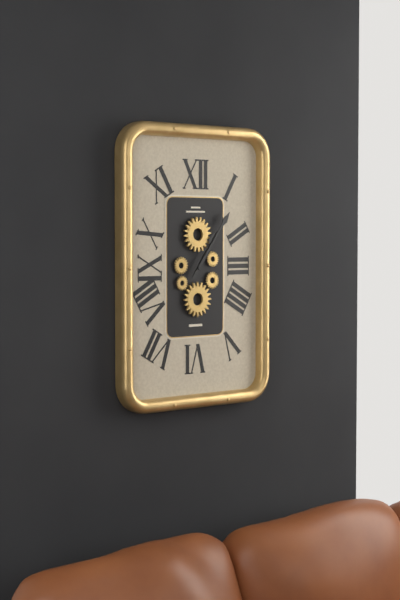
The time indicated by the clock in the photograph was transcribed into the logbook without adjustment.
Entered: 1:06
